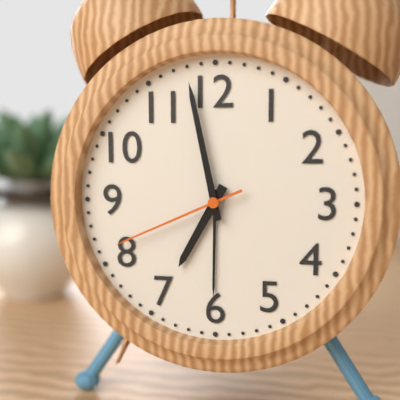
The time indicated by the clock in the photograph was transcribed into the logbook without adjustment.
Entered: 6:58:41
